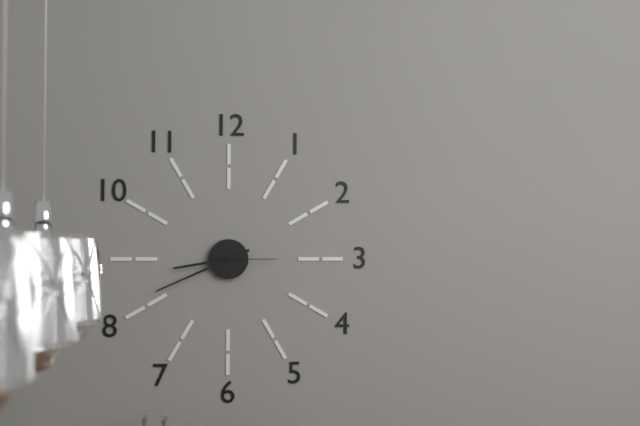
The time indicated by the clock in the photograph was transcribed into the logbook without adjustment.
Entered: 8:41:15
